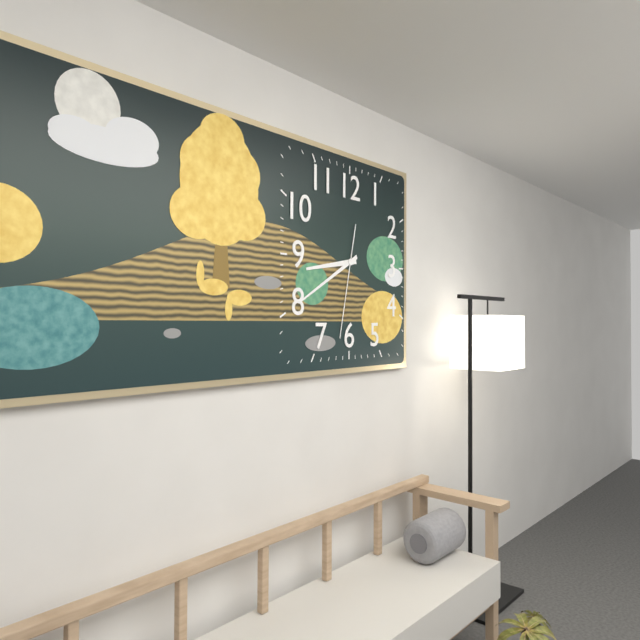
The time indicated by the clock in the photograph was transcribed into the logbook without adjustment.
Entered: 8:40:32
